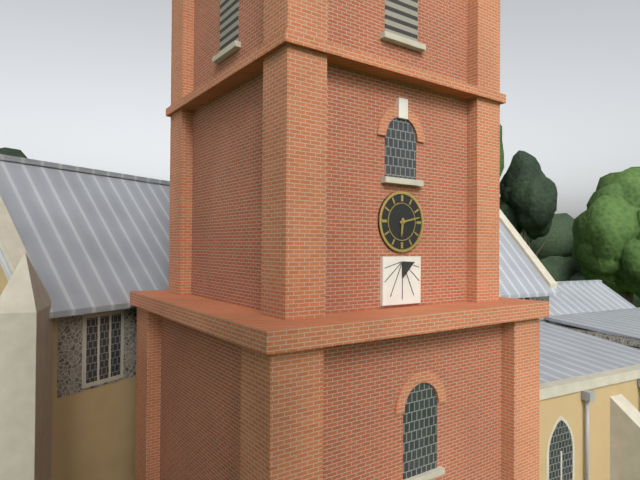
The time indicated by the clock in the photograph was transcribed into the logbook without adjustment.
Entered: 6:13
